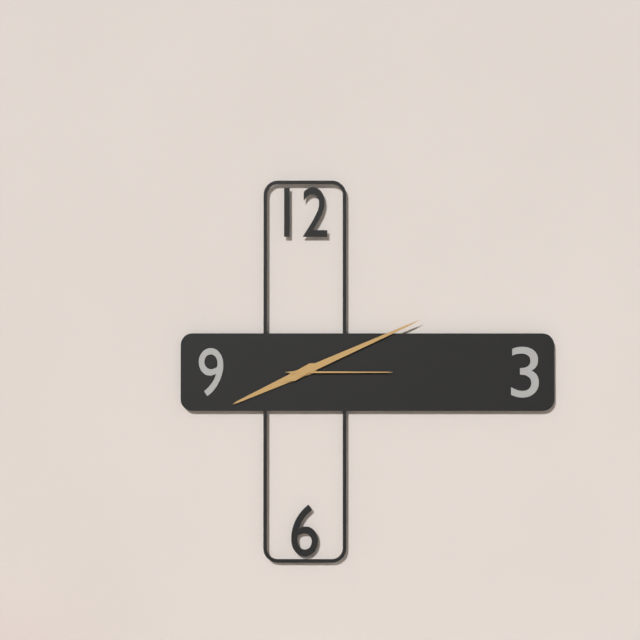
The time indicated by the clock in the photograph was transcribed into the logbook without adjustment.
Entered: 8:11:15
